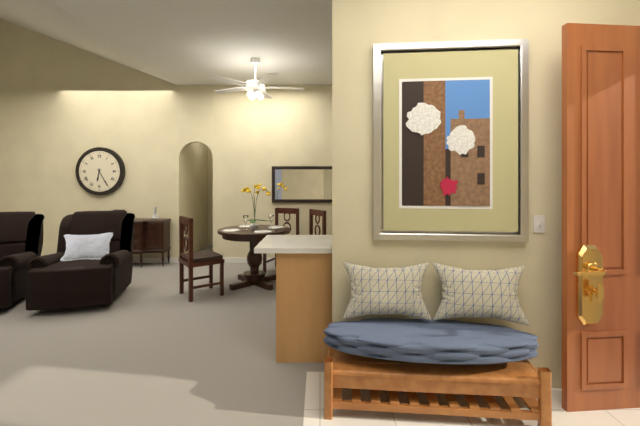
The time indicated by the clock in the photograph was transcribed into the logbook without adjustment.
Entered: 6:25
